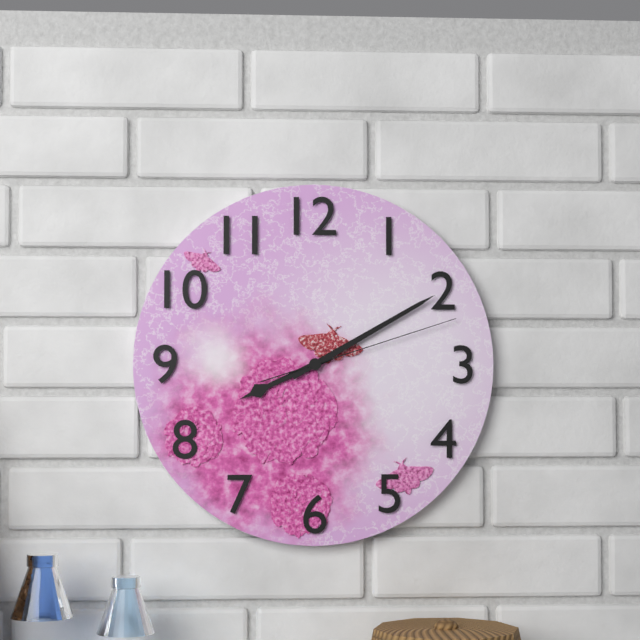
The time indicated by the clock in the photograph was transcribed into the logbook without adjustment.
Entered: 8:10:12
